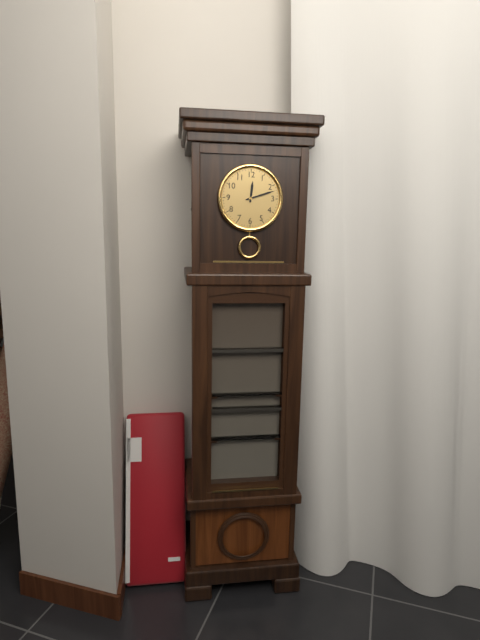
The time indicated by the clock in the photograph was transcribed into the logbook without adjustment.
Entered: 12:12
